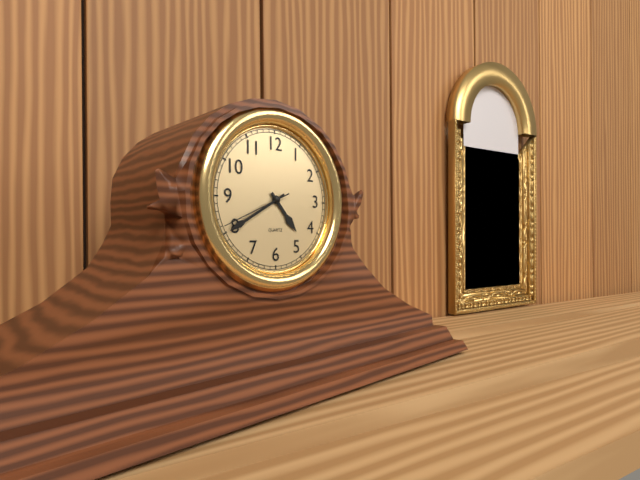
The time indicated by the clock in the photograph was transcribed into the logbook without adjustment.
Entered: 4:40:41
